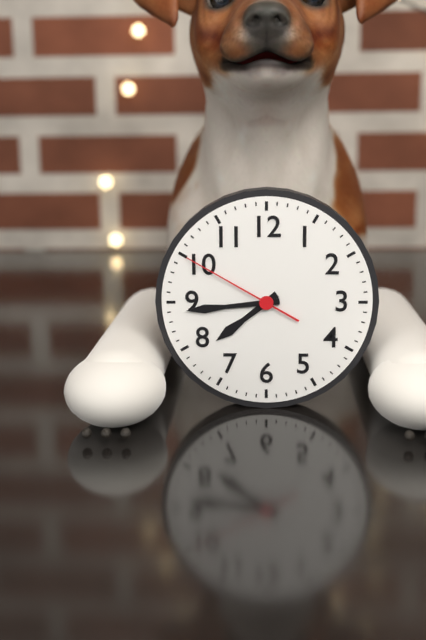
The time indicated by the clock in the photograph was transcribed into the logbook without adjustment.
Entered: 7:44:50
